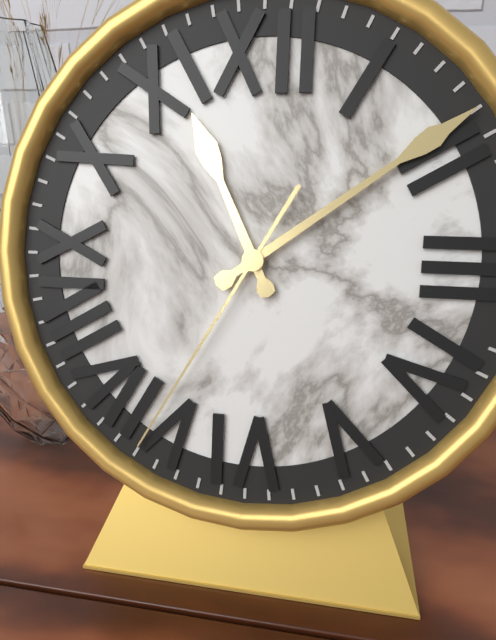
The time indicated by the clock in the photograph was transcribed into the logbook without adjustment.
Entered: 11:09:35
